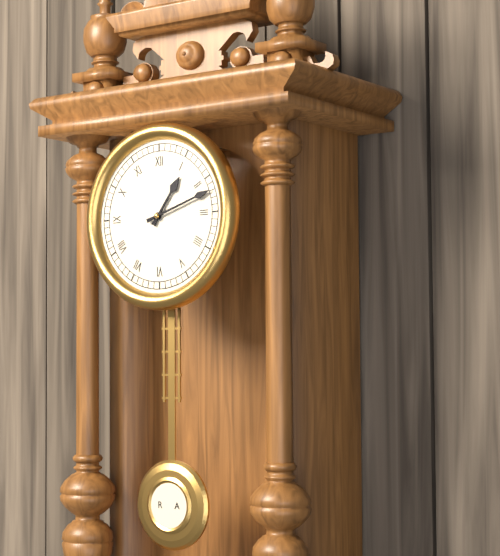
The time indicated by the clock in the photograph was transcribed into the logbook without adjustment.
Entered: 1:12
